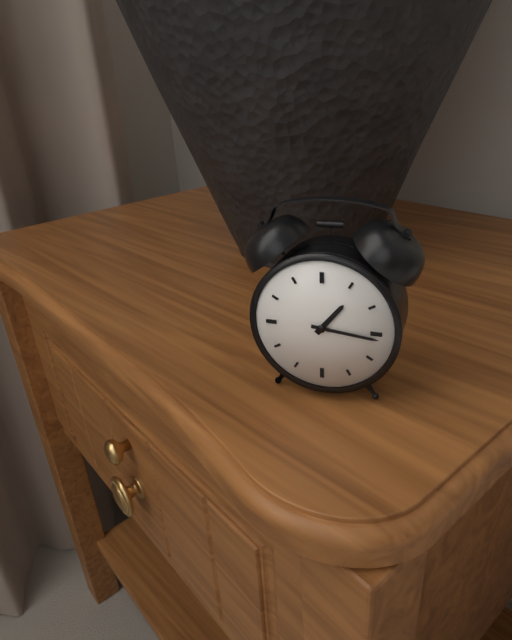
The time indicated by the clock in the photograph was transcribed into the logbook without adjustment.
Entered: 1:16
